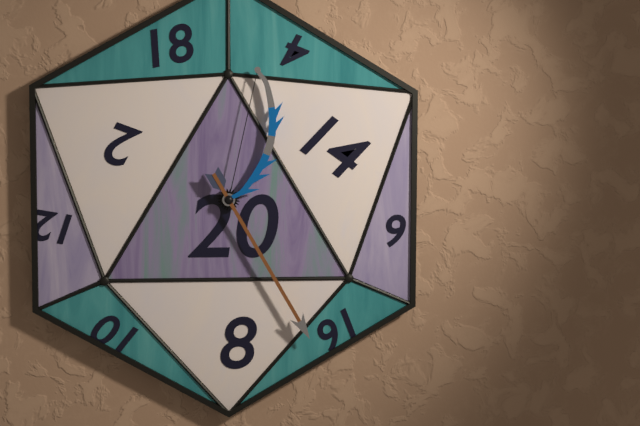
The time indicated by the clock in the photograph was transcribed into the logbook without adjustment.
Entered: 12:25
